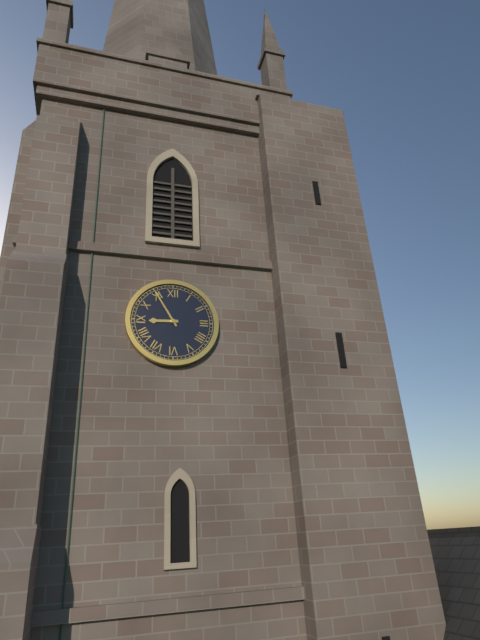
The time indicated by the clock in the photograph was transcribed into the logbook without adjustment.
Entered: 8:55
